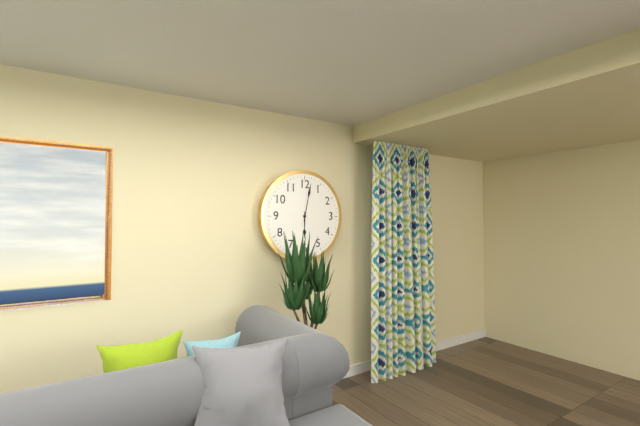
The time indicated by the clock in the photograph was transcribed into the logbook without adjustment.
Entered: 6:02
